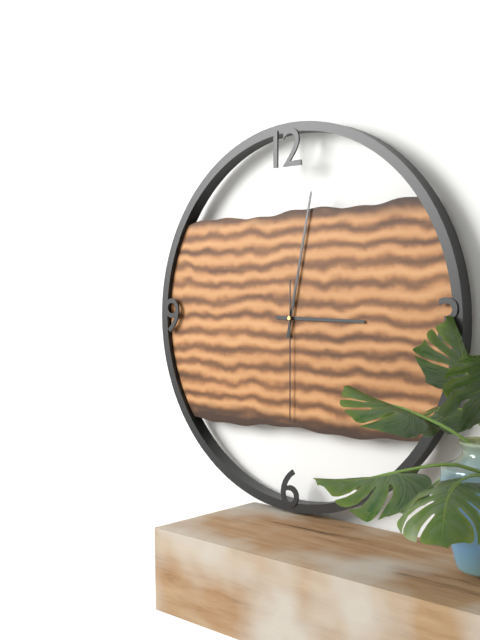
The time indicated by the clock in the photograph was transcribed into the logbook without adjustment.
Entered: 3:02:30
